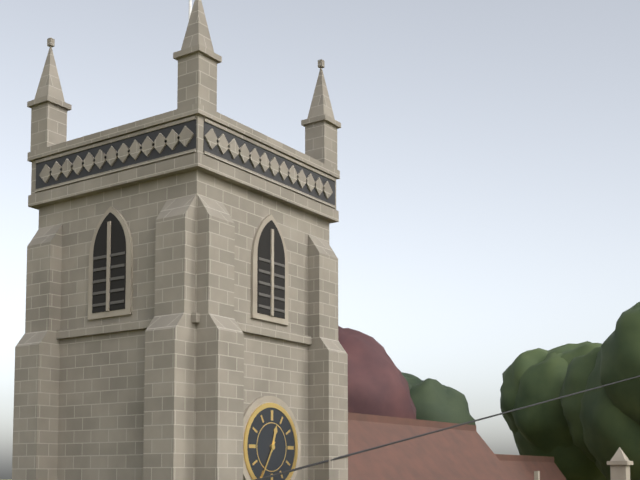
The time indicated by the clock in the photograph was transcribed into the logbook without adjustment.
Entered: 12:35
